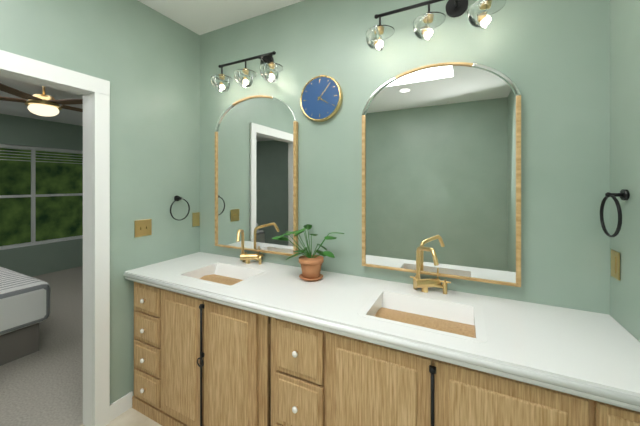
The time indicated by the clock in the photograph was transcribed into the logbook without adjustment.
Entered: 4:07
